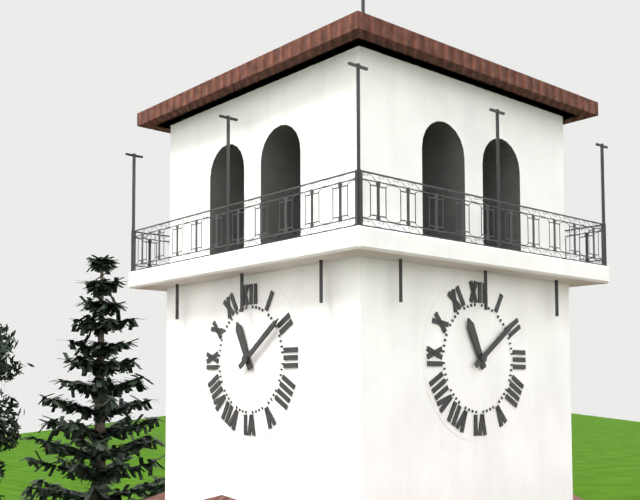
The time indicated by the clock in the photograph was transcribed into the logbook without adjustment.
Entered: 11:09
